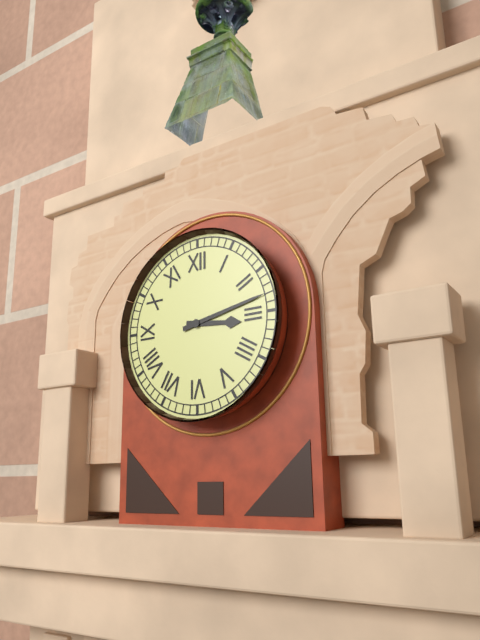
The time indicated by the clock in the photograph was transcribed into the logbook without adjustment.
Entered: 3:13
